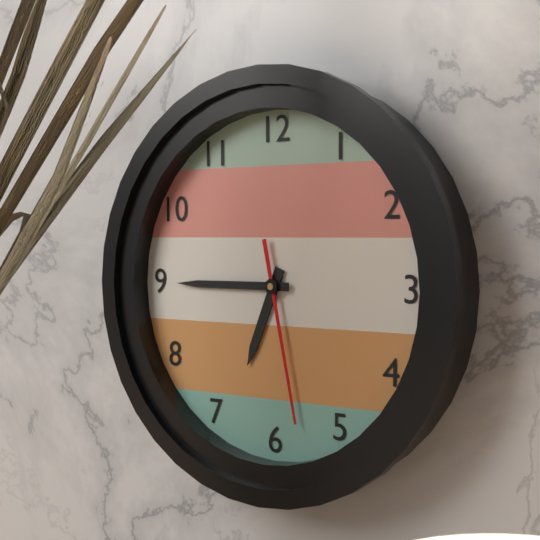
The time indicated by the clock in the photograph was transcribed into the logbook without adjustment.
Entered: 6:45:28
